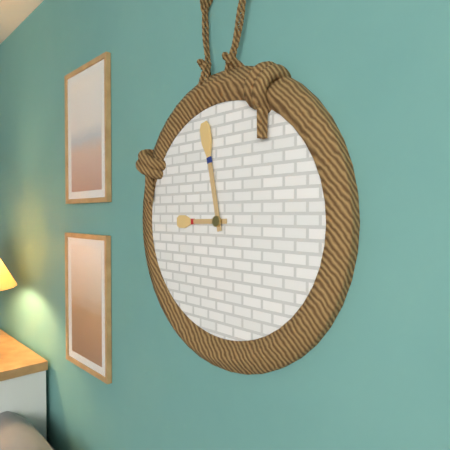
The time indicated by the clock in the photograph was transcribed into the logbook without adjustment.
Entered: 8:58
